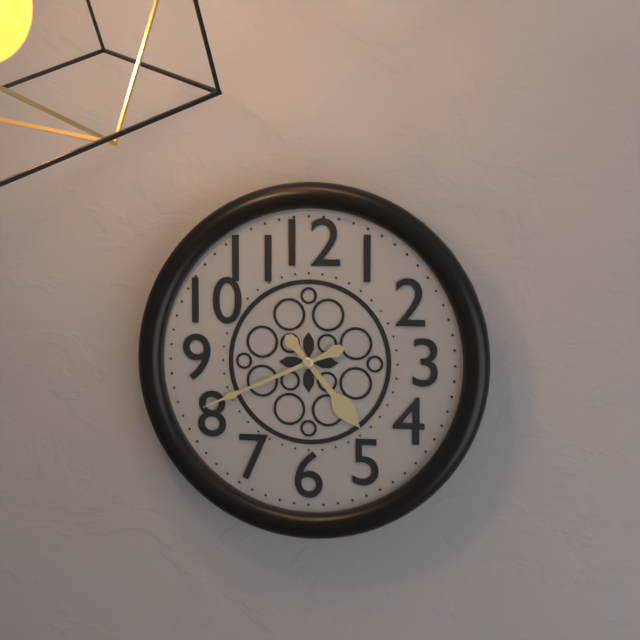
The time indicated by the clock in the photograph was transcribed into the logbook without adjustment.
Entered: 4:41
